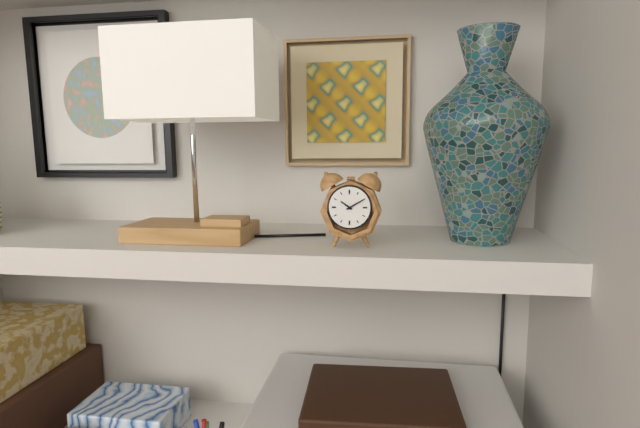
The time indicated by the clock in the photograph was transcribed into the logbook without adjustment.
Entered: 10:10
